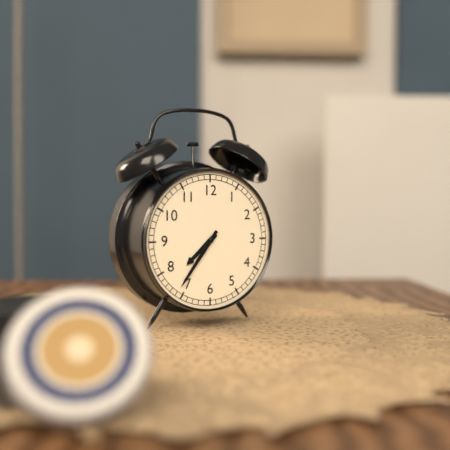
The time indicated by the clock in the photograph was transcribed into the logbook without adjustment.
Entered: 7:36
